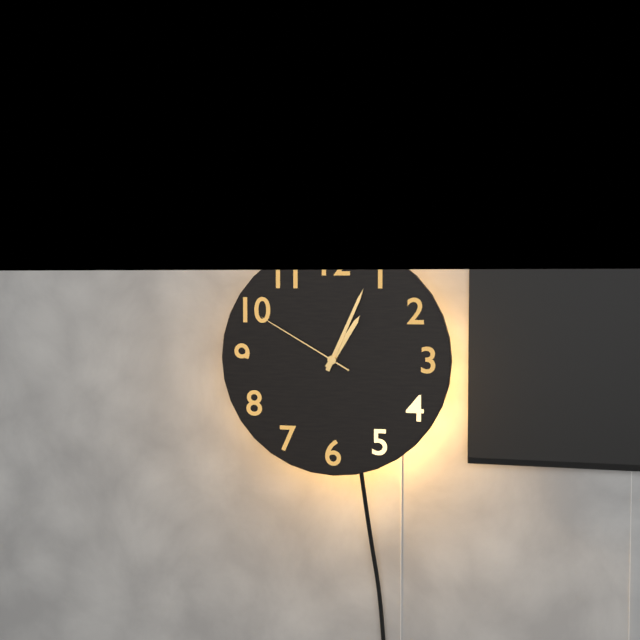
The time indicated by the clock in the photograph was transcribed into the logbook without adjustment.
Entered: 1:04:50
